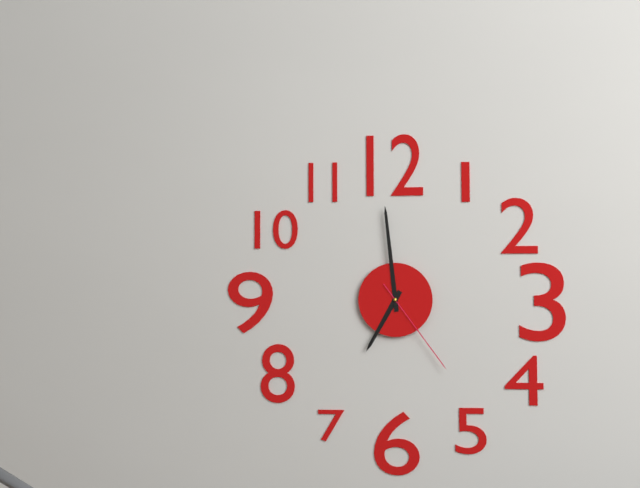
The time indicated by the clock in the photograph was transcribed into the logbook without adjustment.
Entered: 6:59:24
